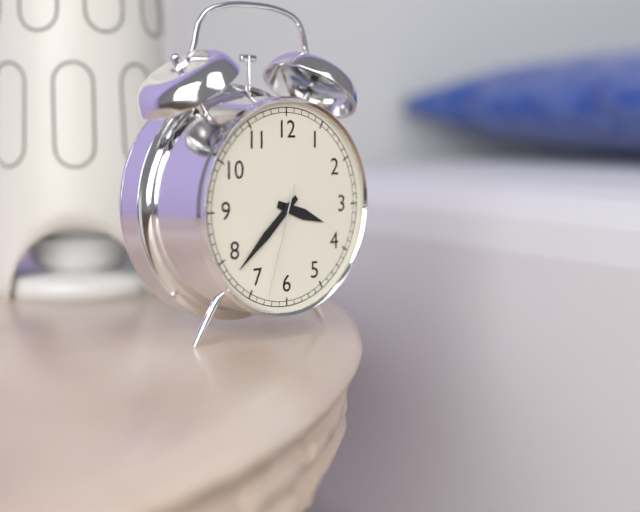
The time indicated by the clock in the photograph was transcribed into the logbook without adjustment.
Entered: 3:38:33
